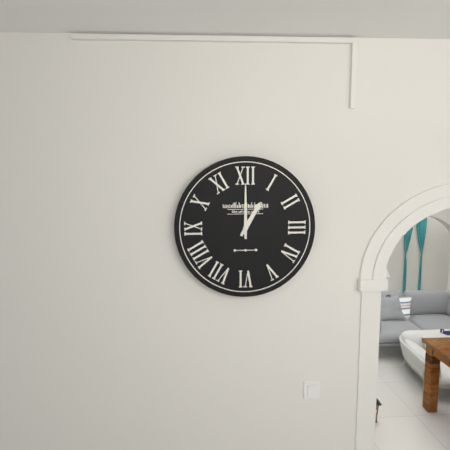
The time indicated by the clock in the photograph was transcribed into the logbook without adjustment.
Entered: 1:00
